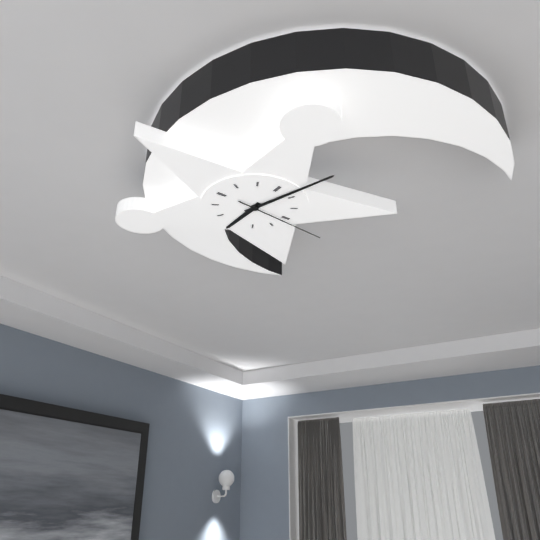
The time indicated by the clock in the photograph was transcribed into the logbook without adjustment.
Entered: 6:03:16
